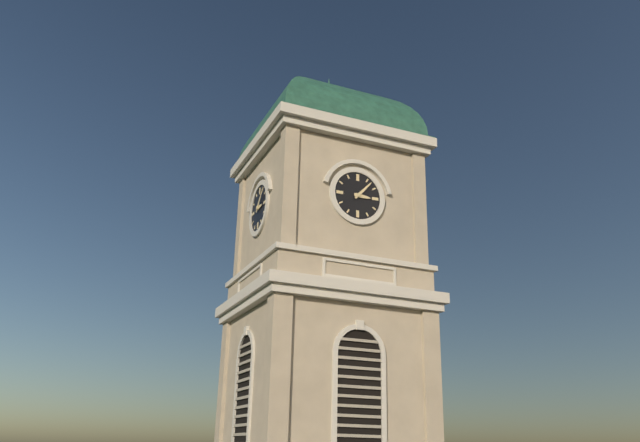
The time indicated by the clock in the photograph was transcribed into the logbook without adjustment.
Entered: 3:07
